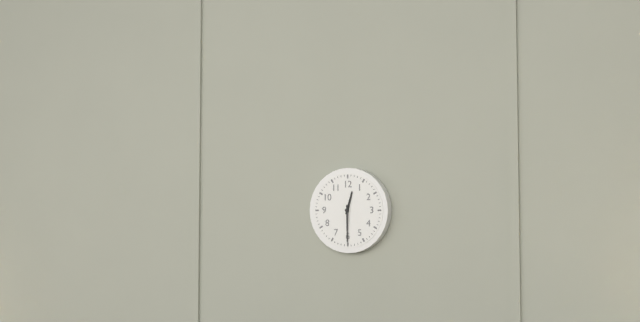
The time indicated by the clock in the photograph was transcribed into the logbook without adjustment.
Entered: 12:30
